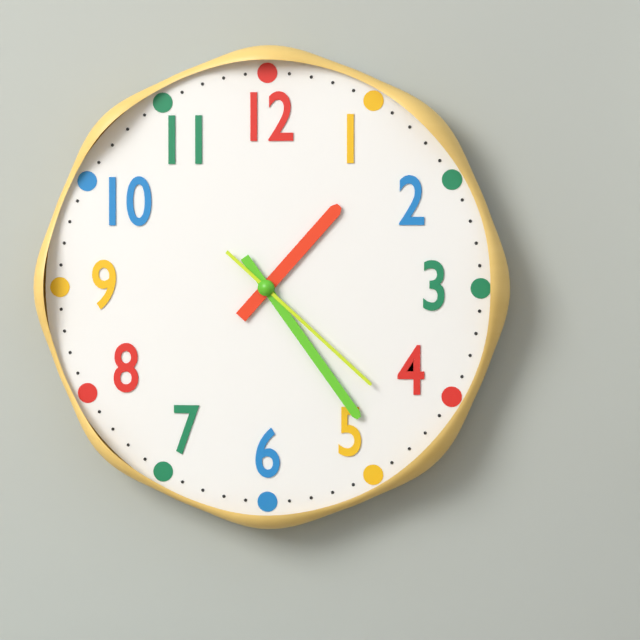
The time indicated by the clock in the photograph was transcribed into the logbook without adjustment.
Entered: 1:24:22
